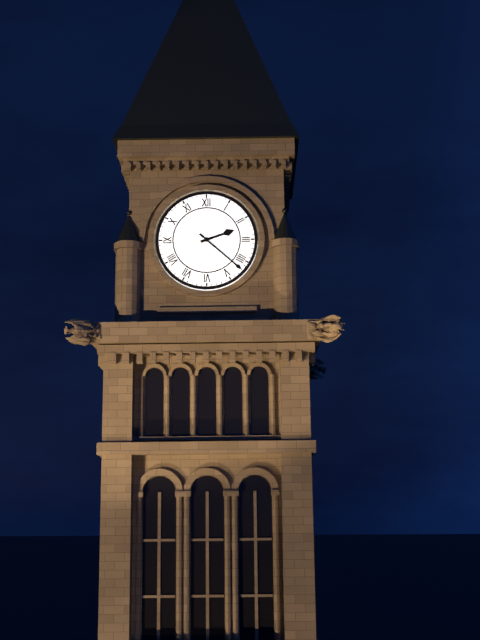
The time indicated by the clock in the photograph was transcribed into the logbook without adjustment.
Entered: 2:22
